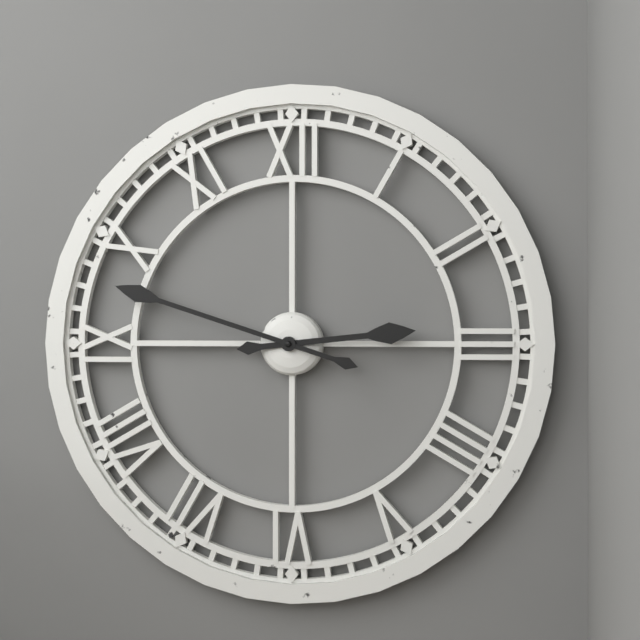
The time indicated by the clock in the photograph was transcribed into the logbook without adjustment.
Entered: 2:48
